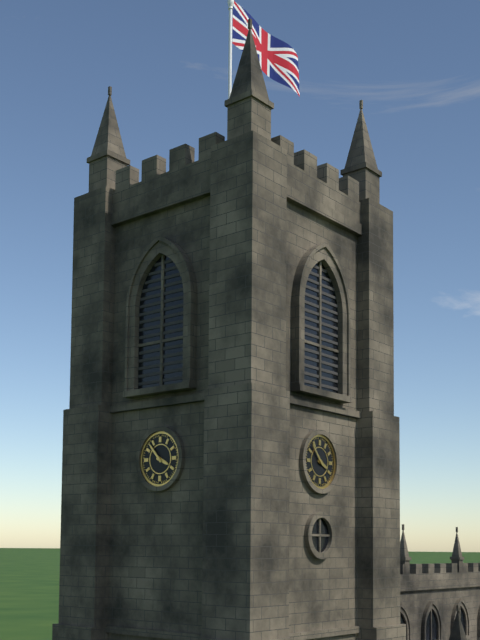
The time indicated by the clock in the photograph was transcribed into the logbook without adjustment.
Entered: 3:53
